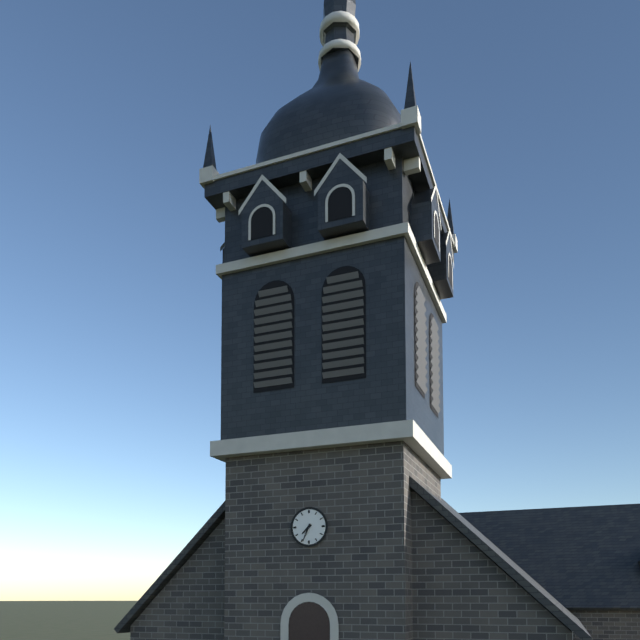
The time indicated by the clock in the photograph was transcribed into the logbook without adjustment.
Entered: 7:34
